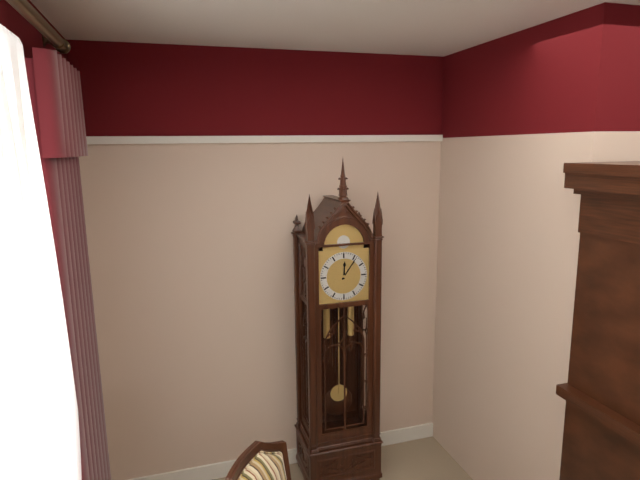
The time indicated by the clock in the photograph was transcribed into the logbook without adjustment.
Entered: 12:06
